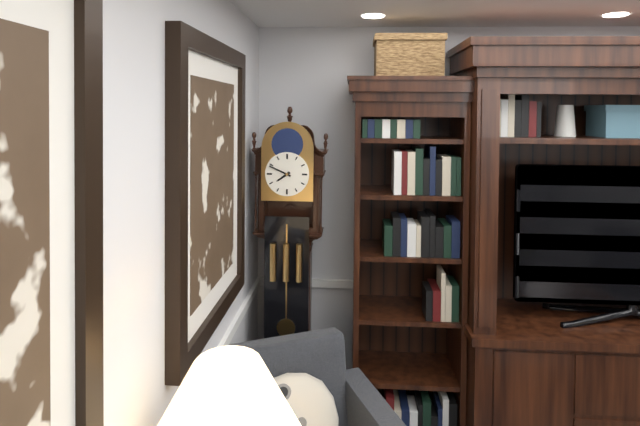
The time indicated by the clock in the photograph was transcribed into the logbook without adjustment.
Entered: 7:49
